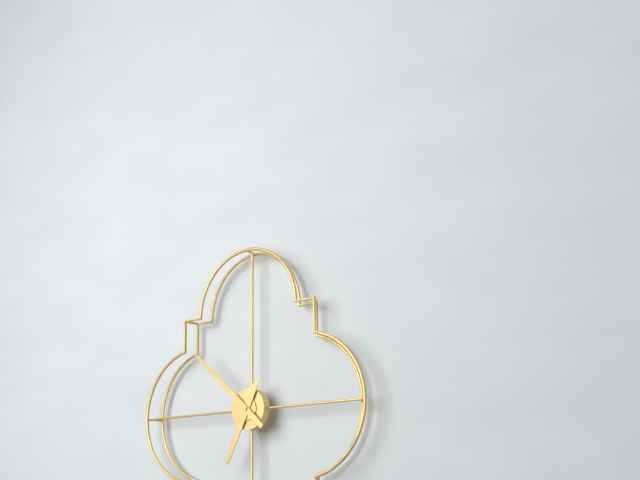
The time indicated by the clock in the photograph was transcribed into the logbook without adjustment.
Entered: 6:52
